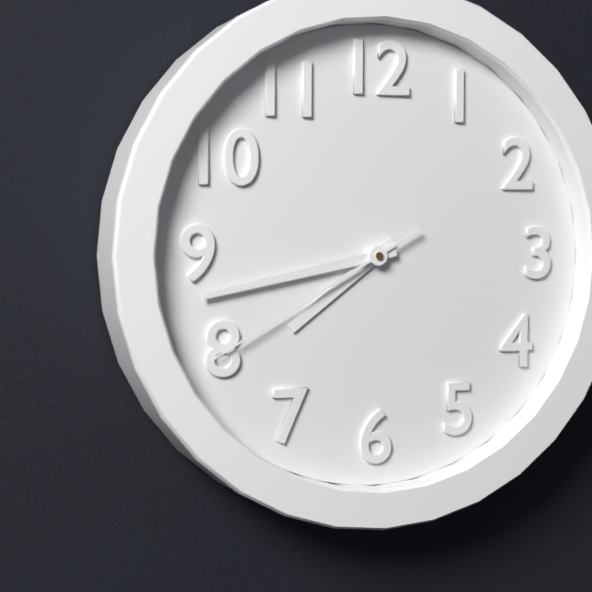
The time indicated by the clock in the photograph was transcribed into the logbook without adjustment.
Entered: 7:43:40
